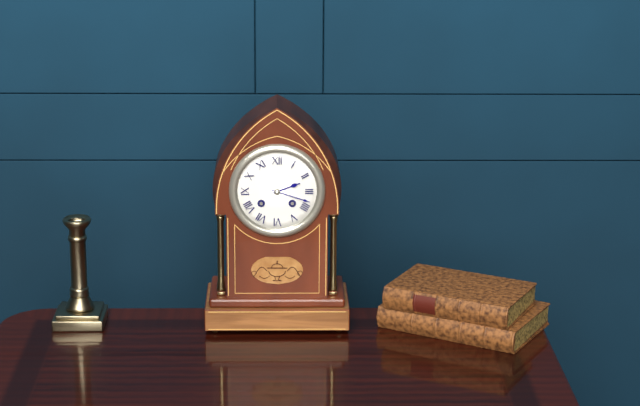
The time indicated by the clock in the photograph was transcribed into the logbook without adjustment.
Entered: 2:18
